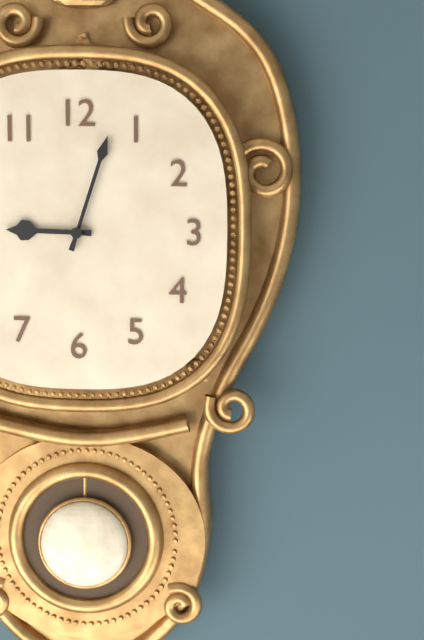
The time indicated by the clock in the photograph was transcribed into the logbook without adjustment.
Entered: 9:03
